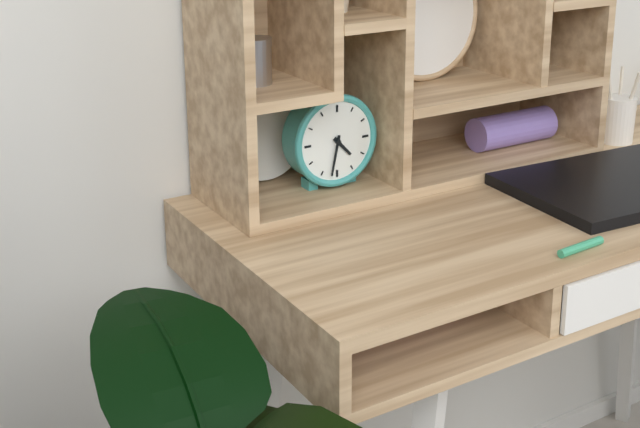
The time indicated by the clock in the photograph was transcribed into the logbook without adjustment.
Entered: 4:32
